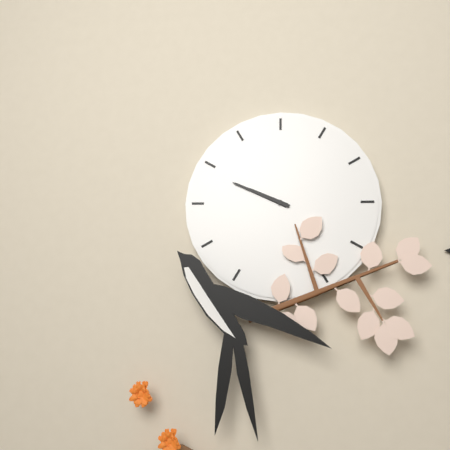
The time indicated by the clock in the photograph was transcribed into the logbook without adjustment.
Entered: 9:49
